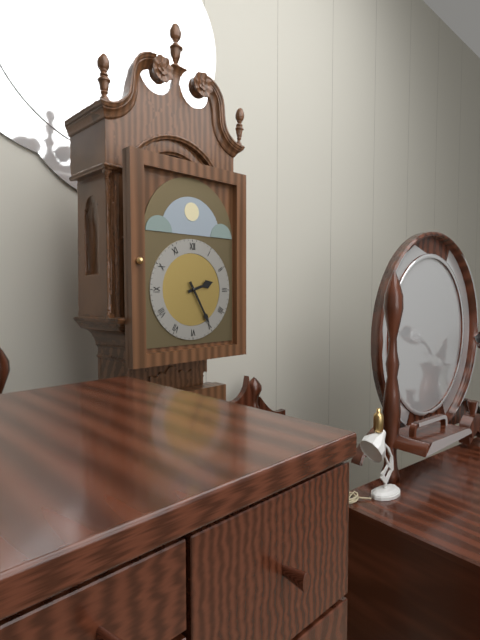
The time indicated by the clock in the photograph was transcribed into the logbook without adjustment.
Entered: 2:25
